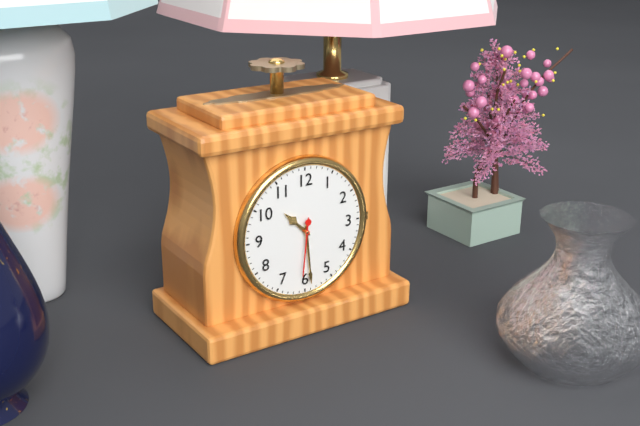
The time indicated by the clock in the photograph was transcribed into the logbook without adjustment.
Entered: 10:29:31
